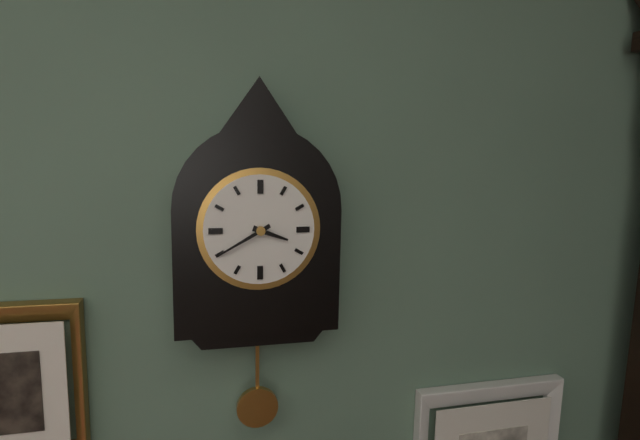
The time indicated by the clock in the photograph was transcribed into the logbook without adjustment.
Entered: 3:40
